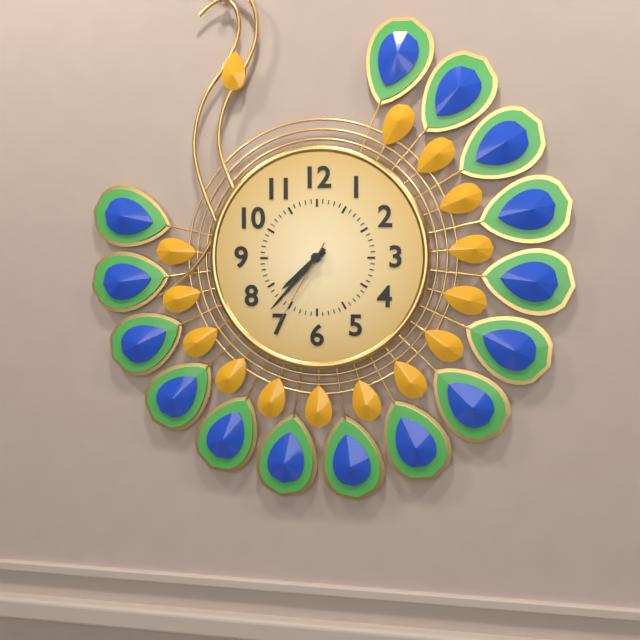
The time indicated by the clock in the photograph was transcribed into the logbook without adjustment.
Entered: 7:37:35
